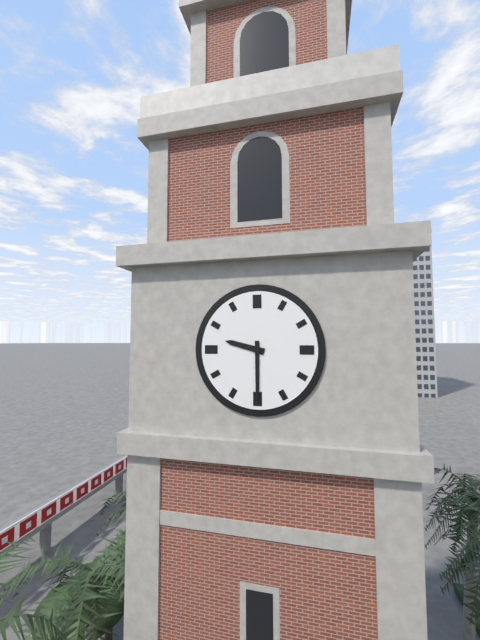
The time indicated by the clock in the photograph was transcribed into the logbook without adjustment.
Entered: 9:30
